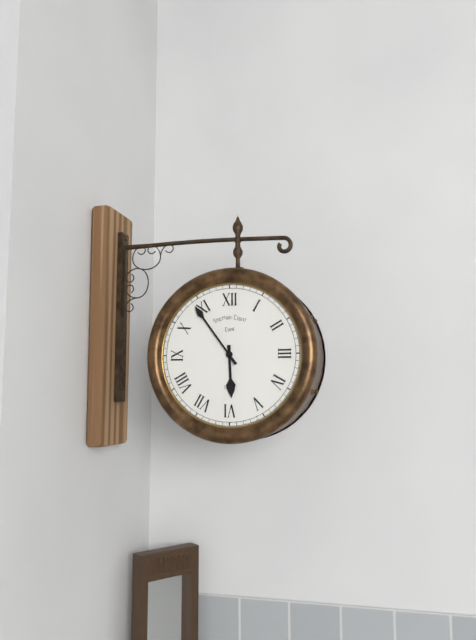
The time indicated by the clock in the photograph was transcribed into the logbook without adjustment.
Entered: 5:54
